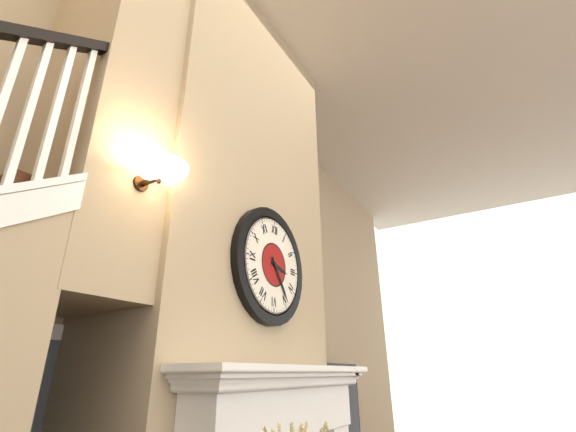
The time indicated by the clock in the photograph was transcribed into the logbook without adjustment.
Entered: 3:24
